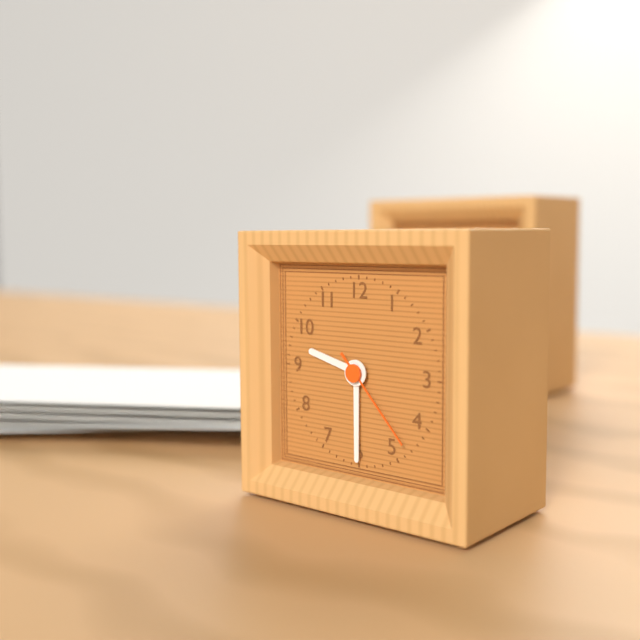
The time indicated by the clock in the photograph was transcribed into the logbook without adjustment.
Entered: 9:30:23
